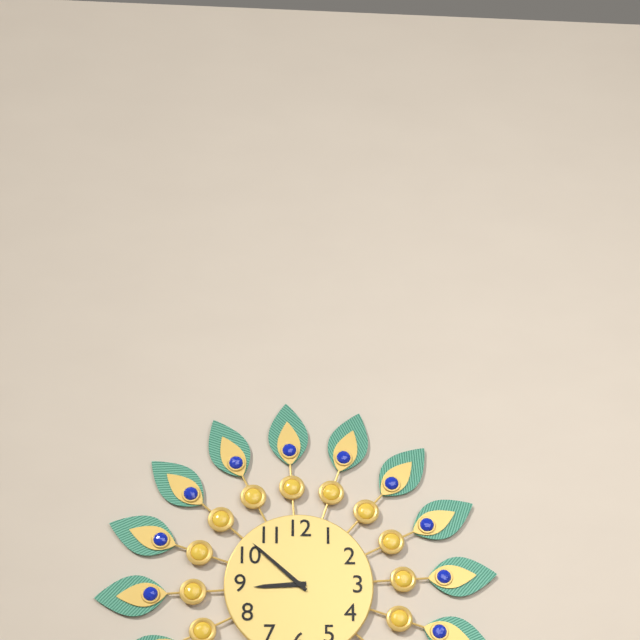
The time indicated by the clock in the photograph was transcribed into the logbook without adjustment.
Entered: 8:52
